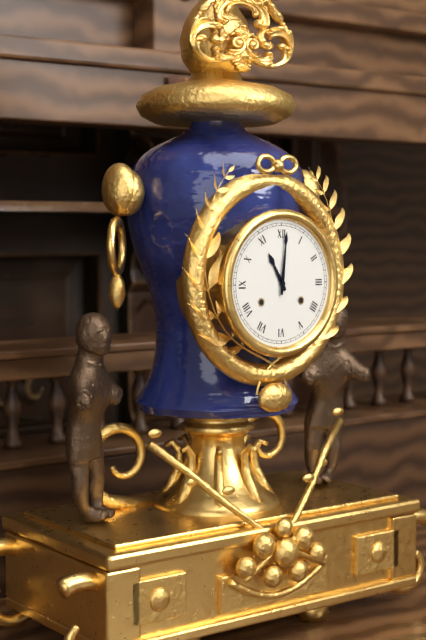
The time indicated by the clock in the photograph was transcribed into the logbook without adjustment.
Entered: 11:01
